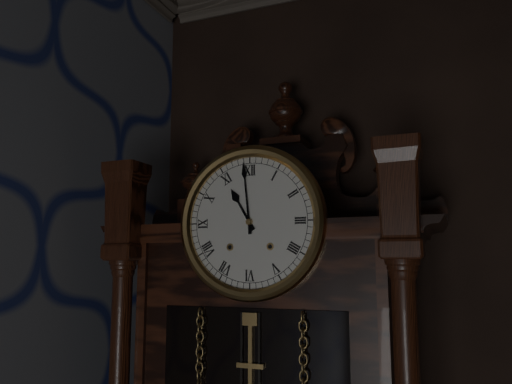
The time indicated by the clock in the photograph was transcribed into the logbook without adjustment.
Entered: 10:59
